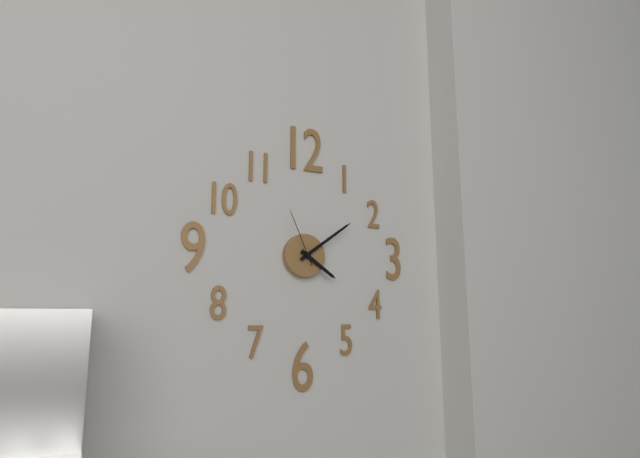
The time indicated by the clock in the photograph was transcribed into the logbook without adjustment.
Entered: 4:09:56
